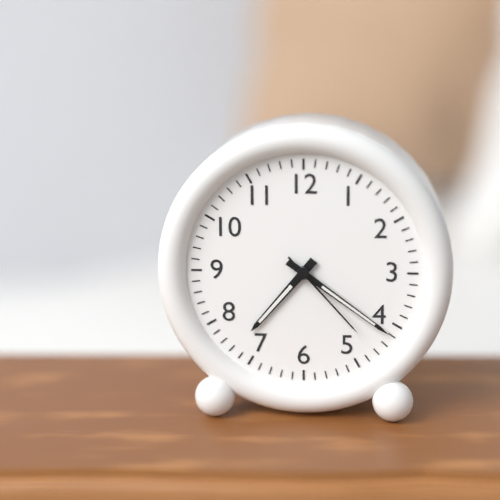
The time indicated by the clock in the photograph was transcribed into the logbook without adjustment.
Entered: 7:21:23
